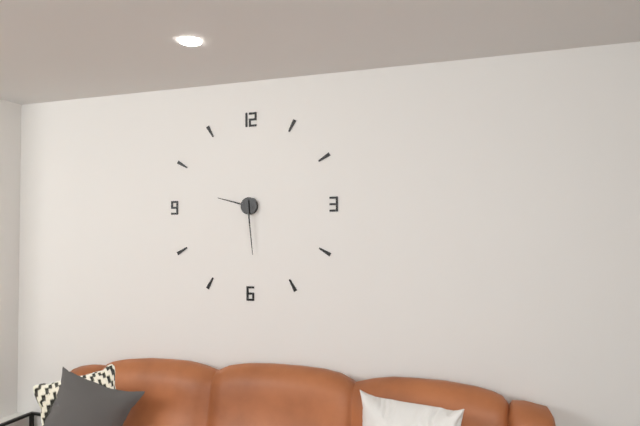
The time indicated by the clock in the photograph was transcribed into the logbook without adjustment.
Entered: 9:29
